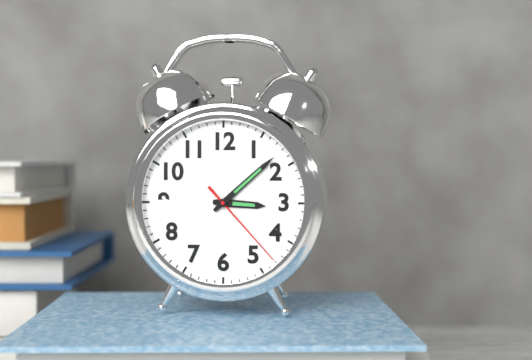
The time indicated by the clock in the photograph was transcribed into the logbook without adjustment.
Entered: 3:08:23
